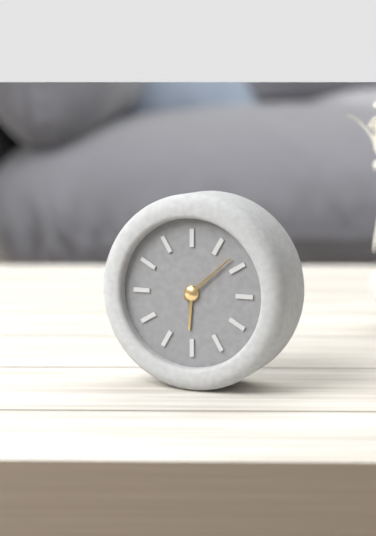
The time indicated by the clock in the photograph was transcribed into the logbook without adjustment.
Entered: 6:08
